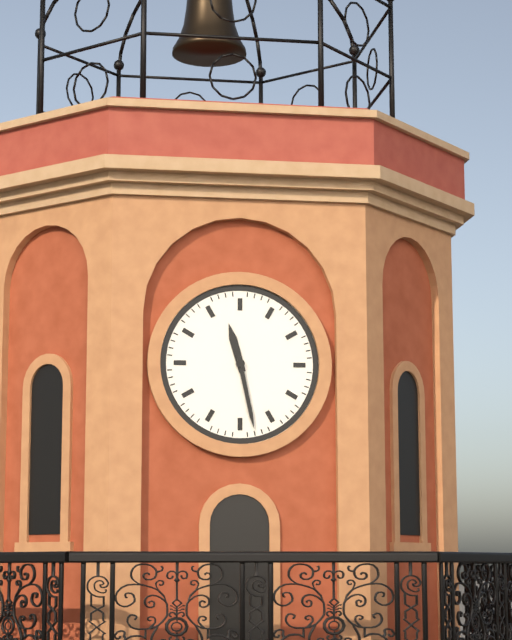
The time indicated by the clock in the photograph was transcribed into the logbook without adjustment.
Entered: 11:28
